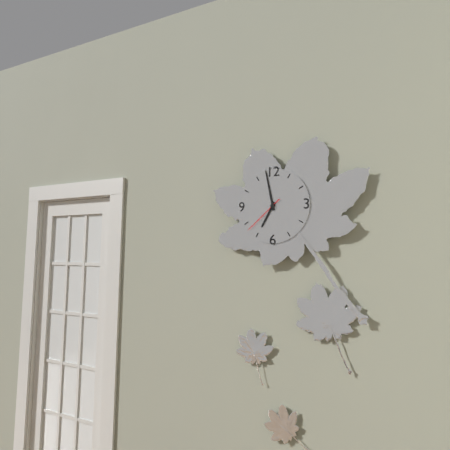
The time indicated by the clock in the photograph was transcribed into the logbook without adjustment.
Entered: 6:58
